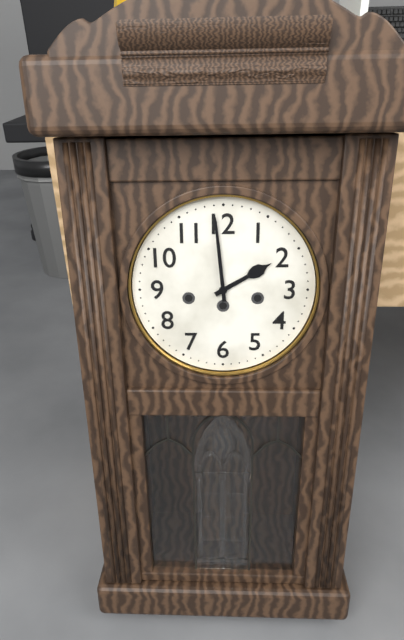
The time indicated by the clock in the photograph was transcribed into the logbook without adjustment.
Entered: 1:59
